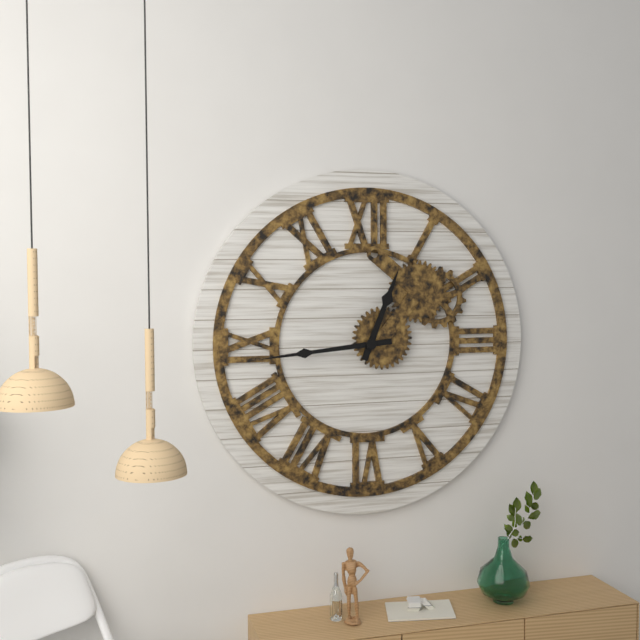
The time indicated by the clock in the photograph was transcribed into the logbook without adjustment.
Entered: 12:44
